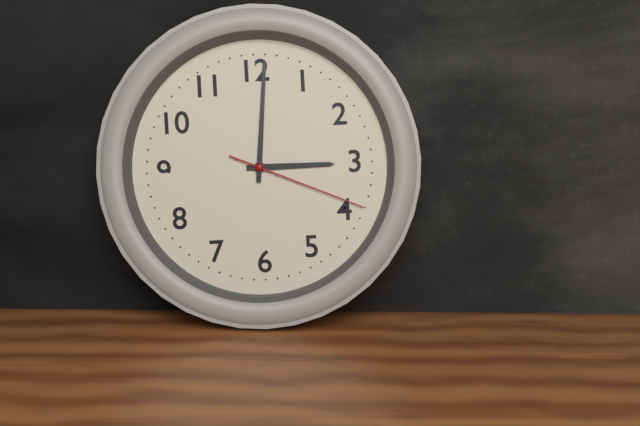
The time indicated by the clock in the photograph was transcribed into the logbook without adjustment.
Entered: 3:01:19
